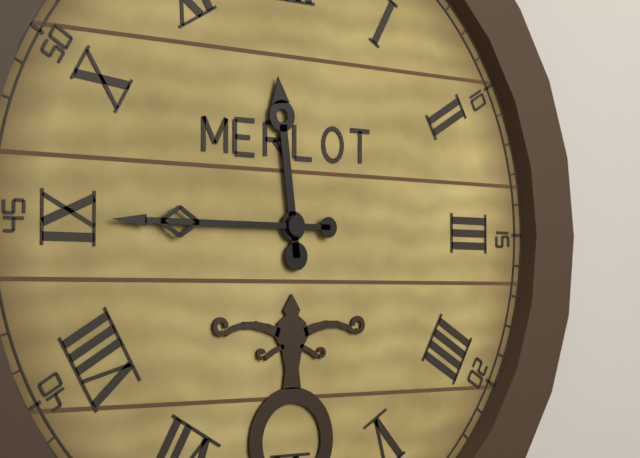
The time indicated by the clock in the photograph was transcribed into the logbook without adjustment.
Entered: 11:45
